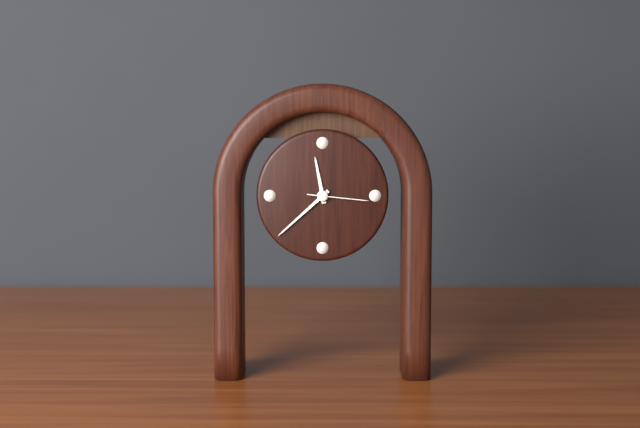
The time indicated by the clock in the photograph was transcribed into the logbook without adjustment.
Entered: 11:38:16
